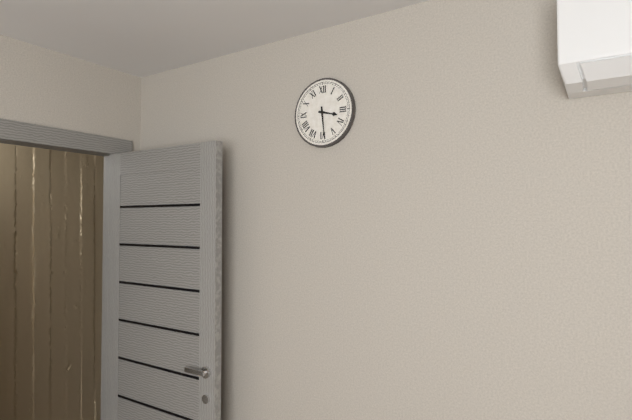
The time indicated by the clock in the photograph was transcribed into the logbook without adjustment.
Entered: 3:29
